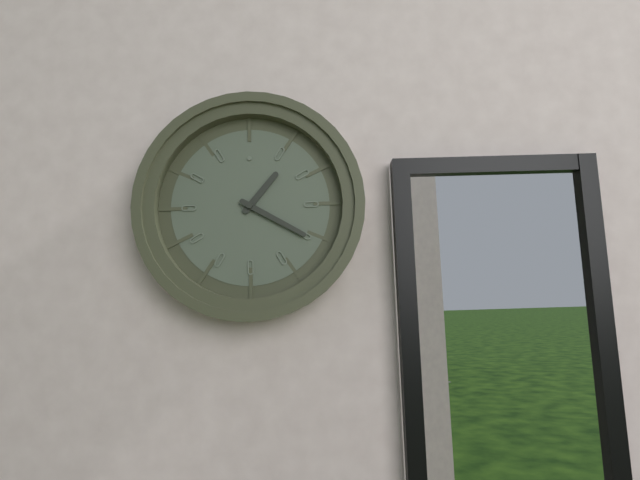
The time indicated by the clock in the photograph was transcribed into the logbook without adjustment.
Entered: 1:20
